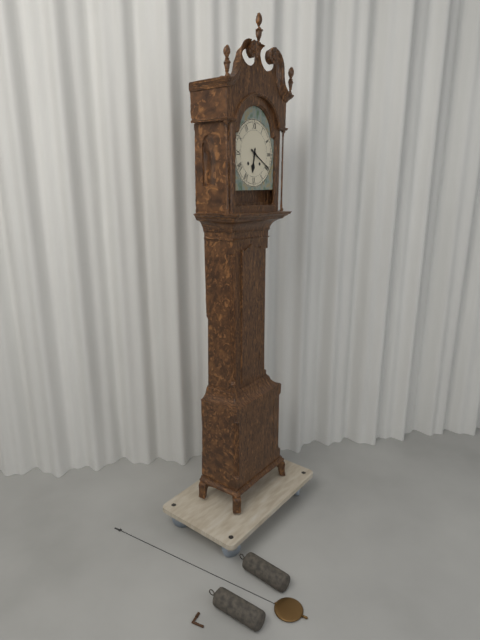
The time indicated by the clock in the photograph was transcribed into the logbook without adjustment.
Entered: 6:20
